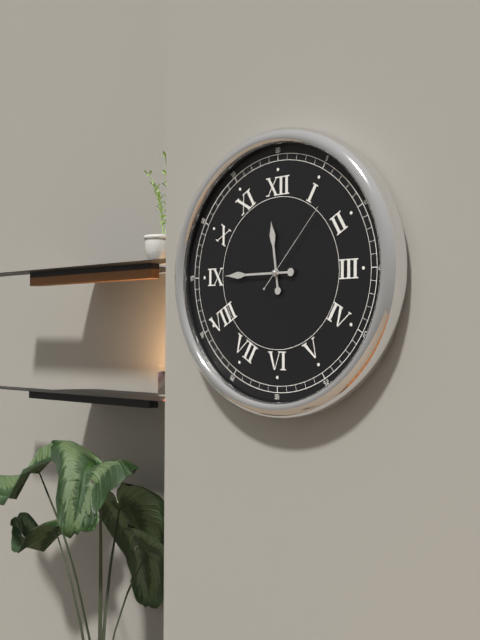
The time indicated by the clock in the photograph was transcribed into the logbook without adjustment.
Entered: 11:45:07
